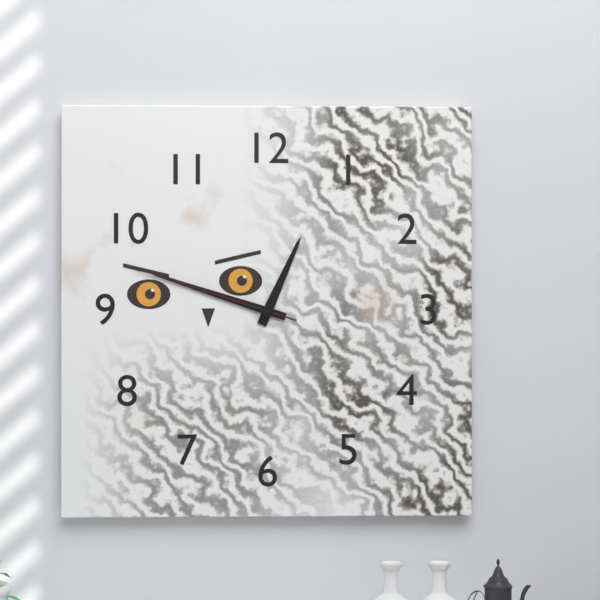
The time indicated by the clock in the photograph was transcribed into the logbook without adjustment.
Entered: 12:48:48
